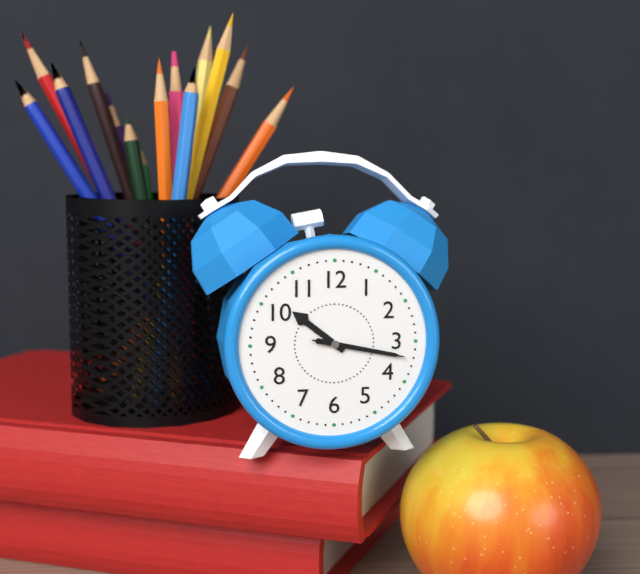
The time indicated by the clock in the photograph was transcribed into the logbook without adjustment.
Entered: 10:17:17
